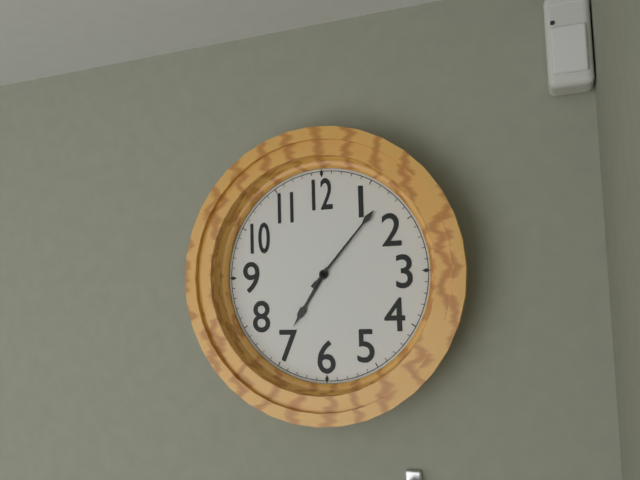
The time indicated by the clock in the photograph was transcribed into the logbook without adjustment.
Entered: 7:07
